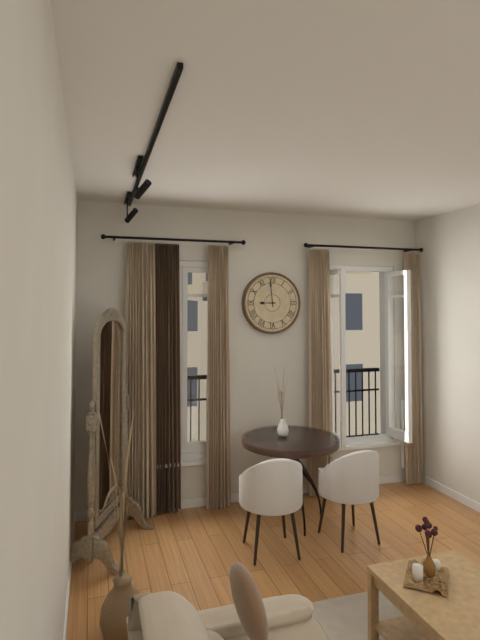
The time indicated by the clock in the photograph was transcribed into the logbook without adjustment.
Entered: 8:59
